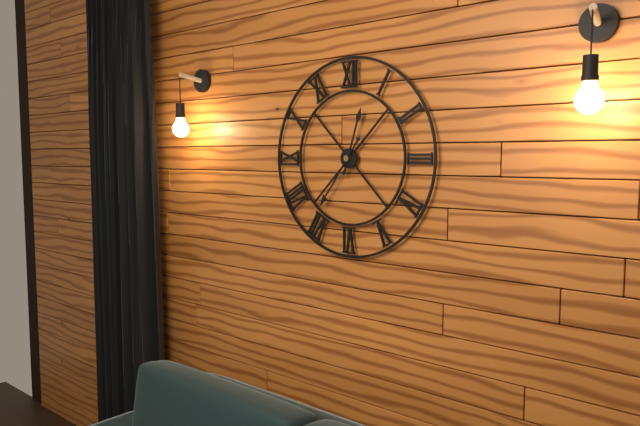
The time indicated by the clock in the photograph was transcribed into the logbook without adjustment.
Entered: 12:36
